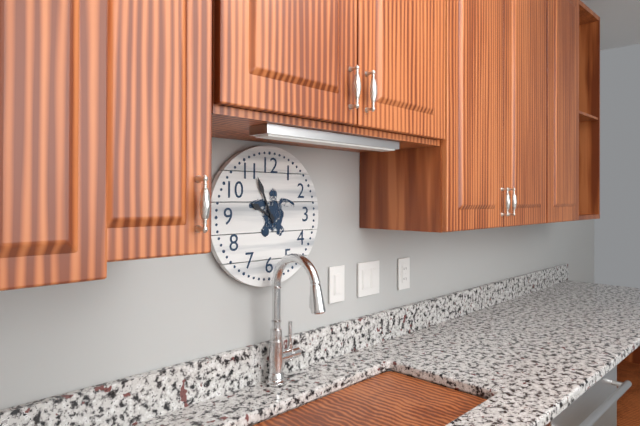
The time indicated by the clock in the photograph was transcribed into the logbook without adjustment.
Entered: 9:56
